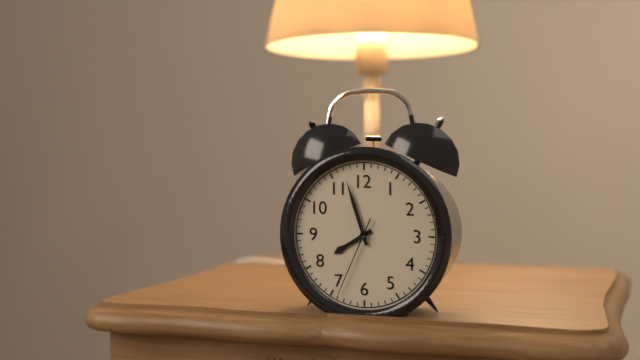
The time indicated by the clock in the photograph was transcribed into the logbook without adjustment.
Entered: 7:57:34
